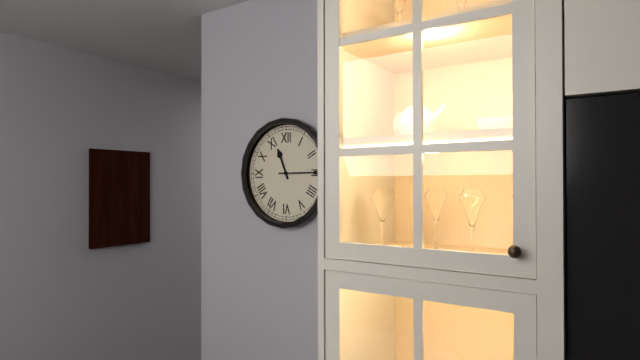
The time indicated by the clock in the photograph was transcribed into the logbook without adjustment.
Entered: 11:15
